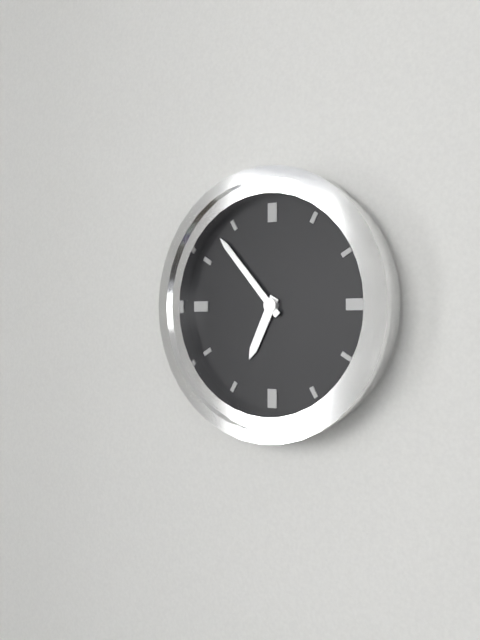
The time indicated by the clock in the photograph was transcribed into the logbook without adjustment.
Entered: 6:53
